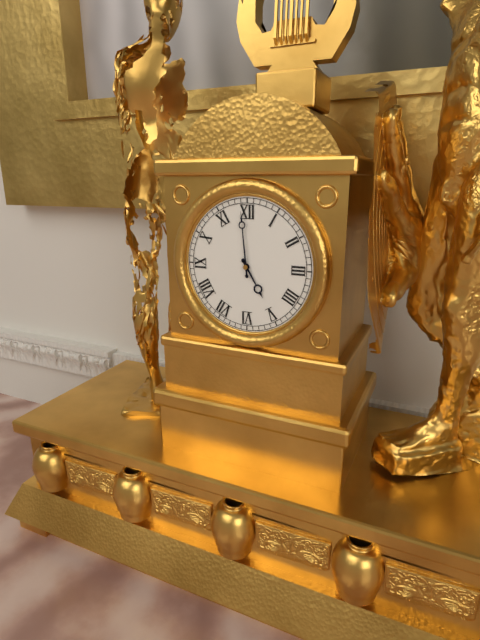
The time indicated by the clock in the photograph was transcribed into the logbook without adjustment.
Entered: 4:59
